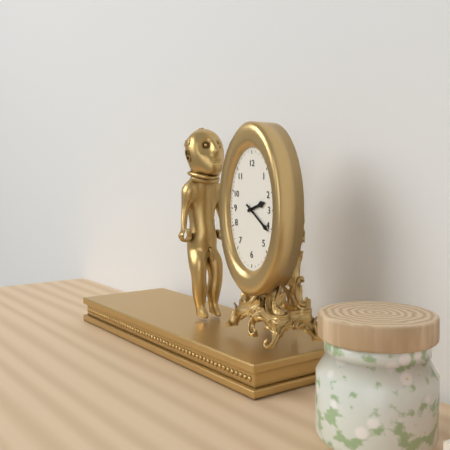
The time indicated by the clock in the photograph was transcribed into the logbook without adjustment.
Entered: 2:21
